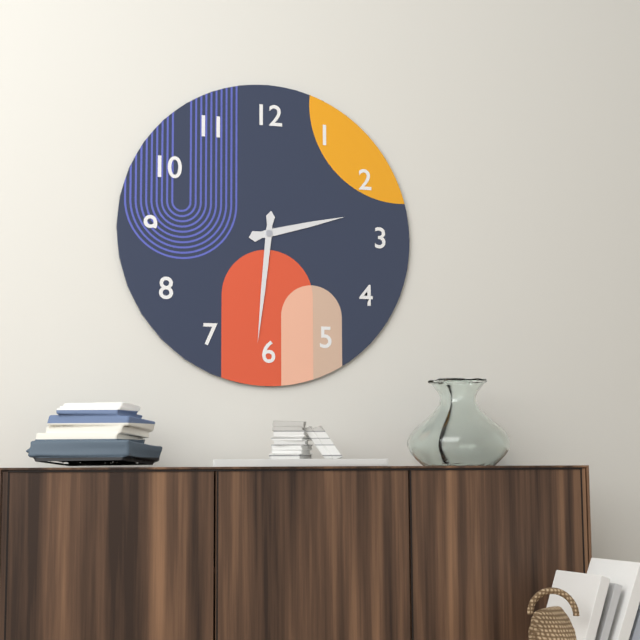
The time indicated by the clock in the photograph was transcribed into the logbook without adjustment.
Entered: 2:31
